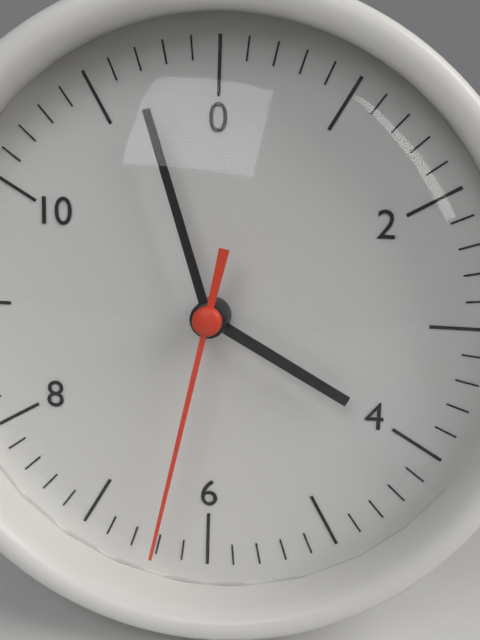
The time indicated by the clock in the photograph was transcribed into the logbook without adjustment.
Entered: 3:57:32
